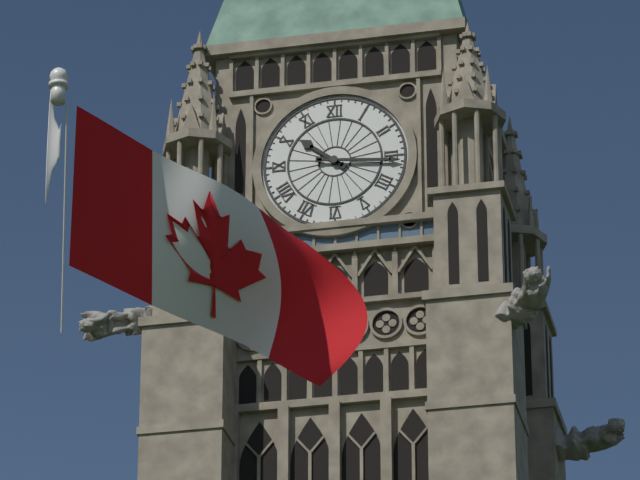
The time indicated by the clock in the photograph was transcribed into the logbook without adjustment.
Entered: 10:16
